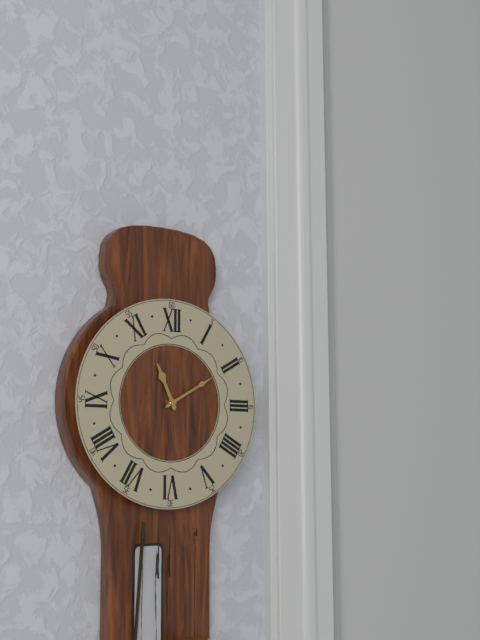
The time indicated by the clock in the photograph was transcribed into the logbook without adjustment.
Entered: 11:10
